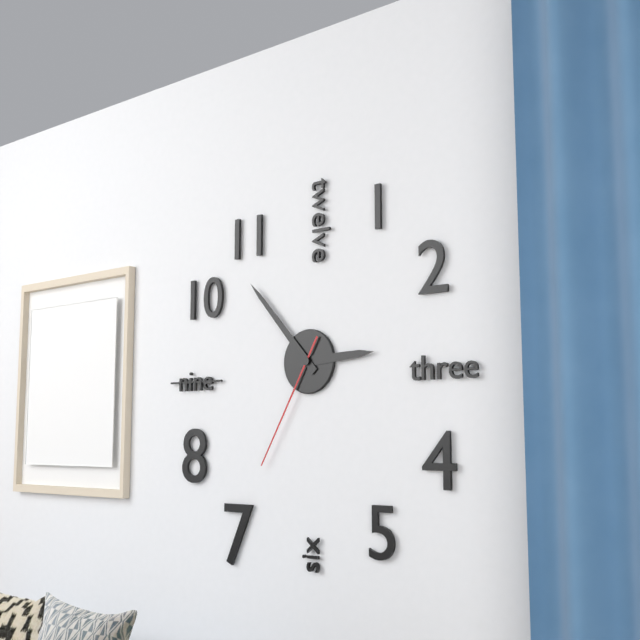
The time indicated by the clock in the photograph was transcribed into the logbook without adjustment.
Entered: 2:53:35
